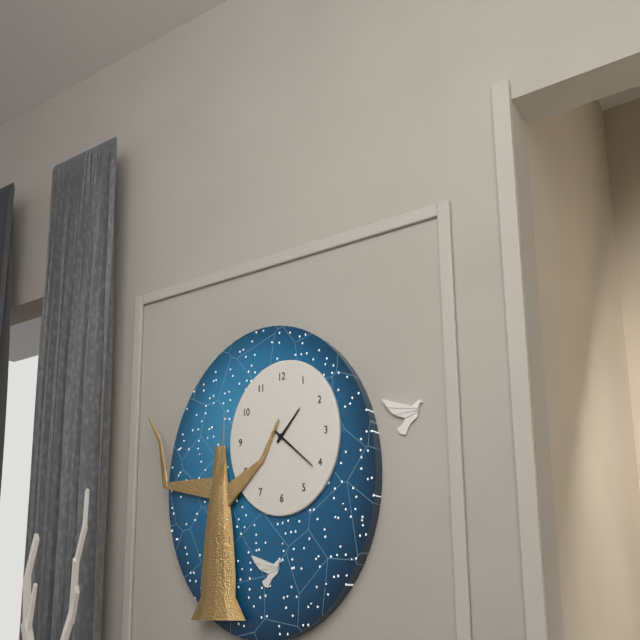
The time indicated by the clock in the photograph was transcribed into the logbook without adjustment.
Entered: 1:22
